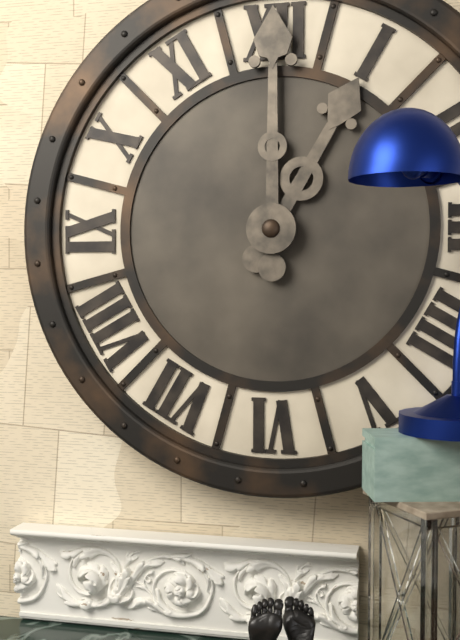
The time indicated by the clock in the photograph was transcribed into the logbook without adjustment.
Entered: 1:00
